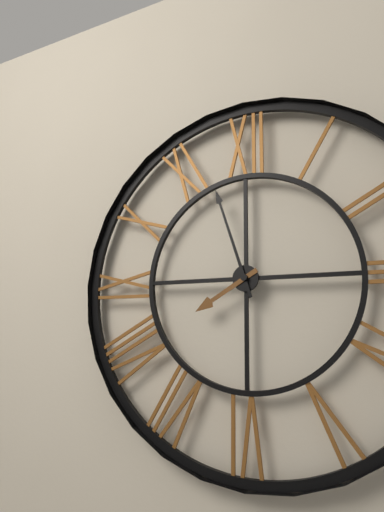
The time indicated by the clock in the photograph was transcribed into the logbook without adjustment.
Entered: 7:57
